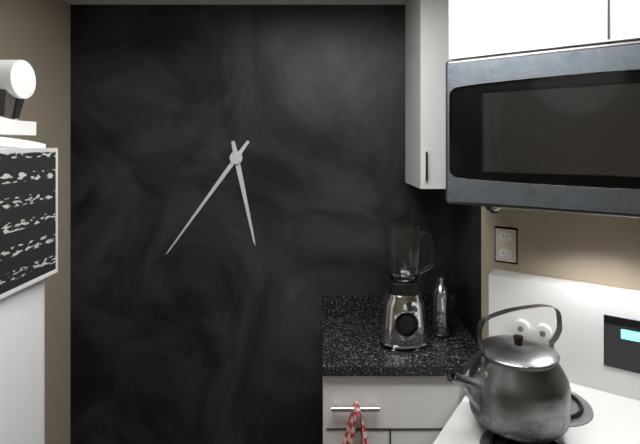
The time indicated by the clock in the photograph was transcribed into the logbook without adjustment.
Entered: 5:36
